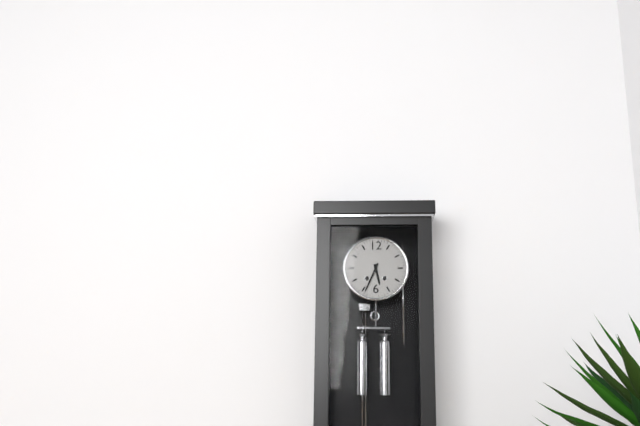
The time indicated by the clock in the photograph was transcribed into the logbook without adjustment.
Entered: 5:34
